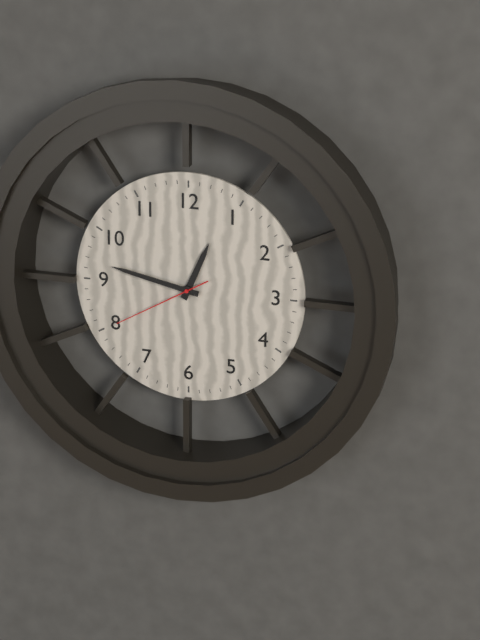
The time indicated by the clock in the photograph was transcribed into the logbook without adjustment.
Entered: 12:47:40
